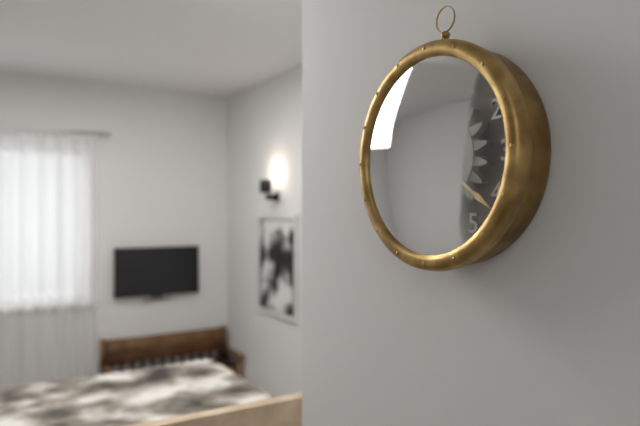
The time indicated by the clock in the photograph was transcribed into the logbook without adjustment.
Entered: 6:21
